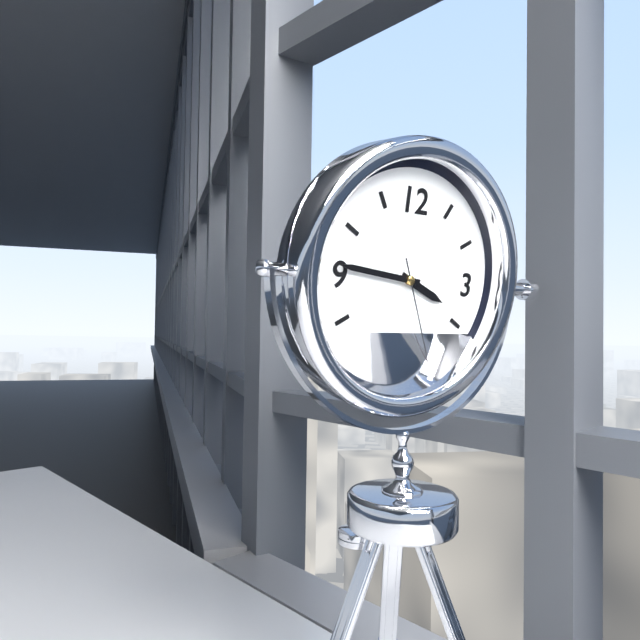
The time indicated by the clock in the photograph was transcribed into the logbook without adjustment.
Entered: 3:46:26
